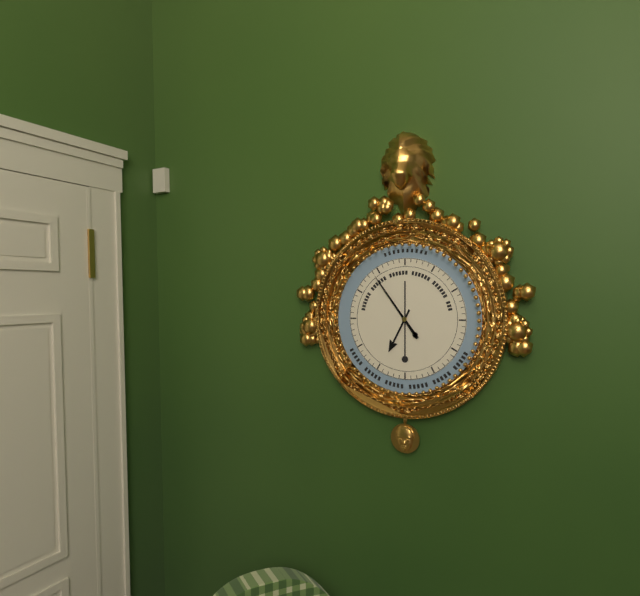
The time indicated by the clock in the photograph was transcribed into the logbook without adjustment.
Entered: 6:54
